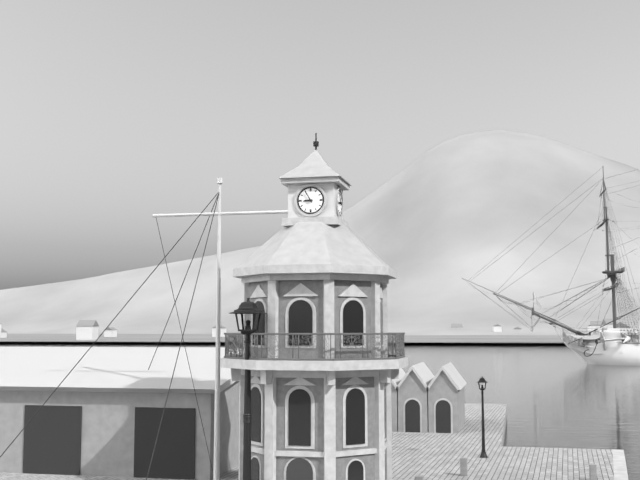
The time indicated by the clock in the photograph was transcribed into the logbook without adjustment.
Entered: 8:55
